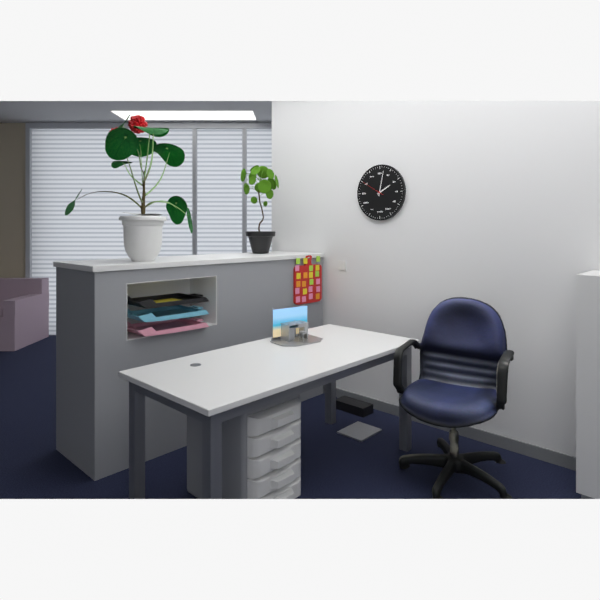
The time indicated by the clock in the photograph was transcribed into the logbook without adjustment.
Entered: 2:02
